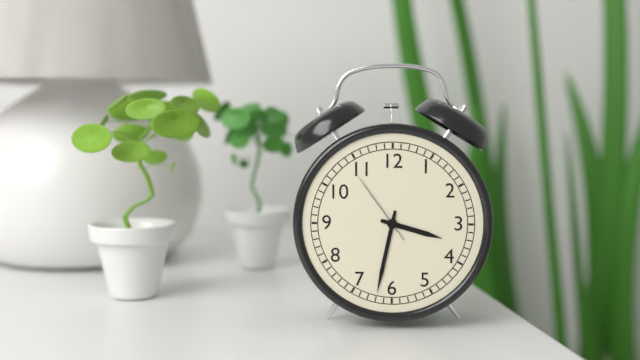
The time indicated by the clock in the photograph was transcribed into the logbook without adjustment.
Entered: 3:32:54
